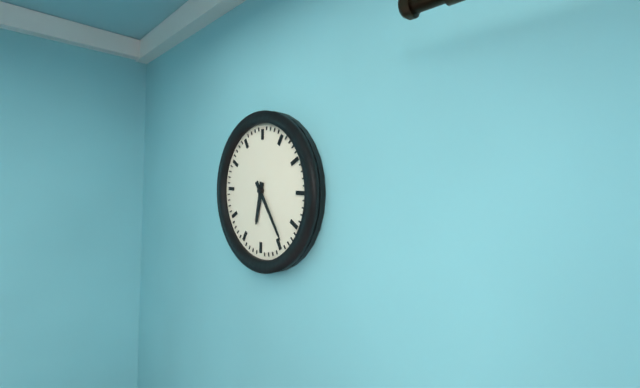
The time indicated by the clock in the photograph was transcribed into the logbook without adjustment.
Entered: 6:24
